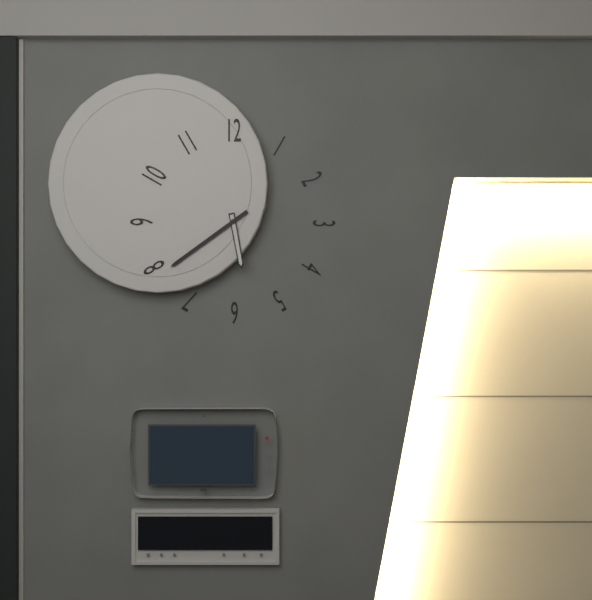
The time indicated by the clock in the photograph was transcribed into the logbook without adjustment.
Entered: 5:39
